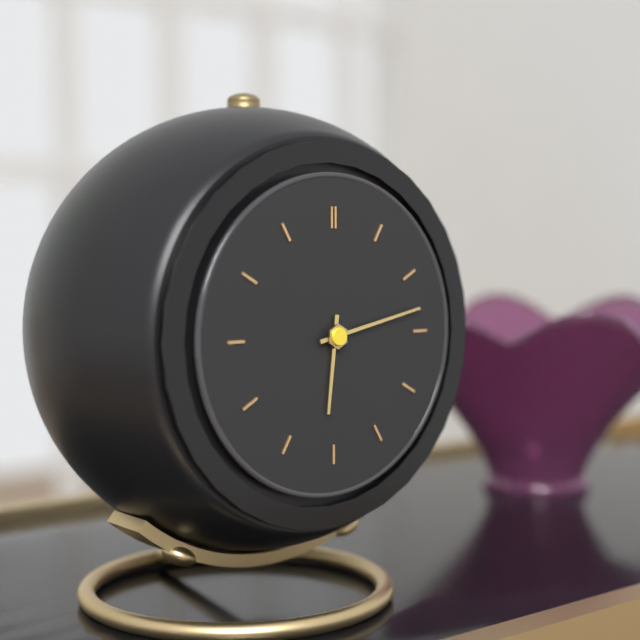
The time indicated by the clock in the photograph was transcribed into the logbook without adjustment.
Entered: 6:13
